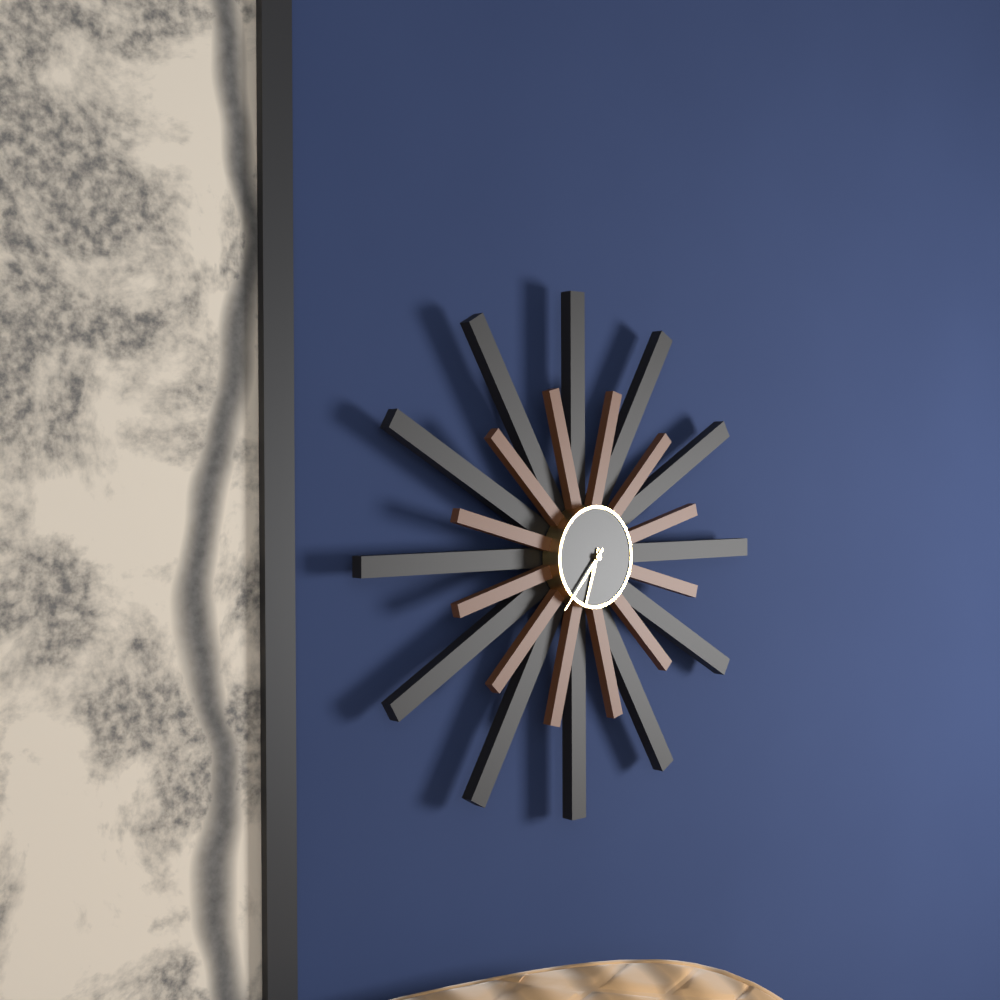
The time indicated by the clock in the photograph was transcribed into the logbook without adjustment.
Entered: 6:37
